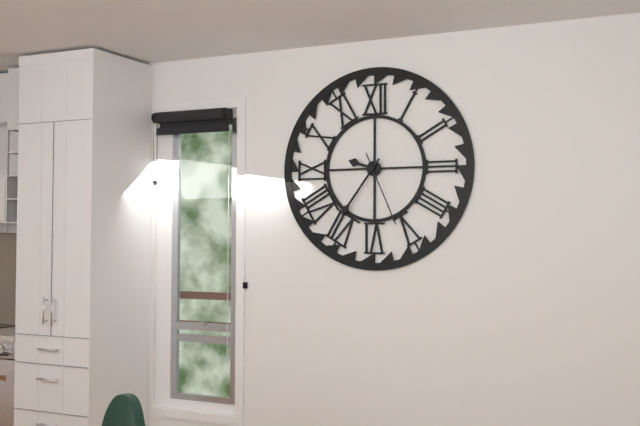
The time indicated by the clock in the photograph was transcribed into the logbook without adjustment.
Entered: 9:36:26
